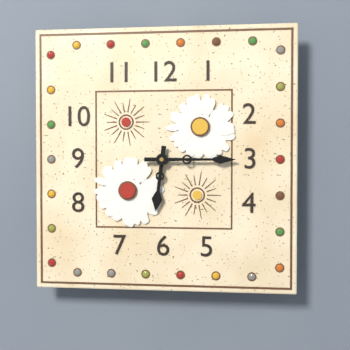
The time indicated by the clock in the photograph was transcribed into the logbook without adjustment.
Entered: 6:15
